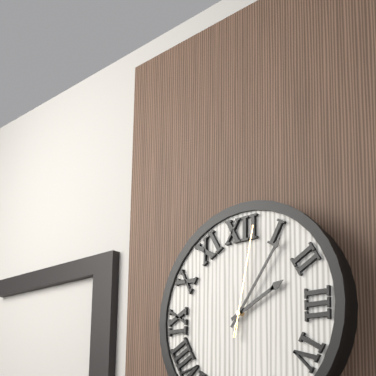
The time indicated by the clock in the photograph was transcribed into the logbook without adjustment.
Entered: 2:06:02
